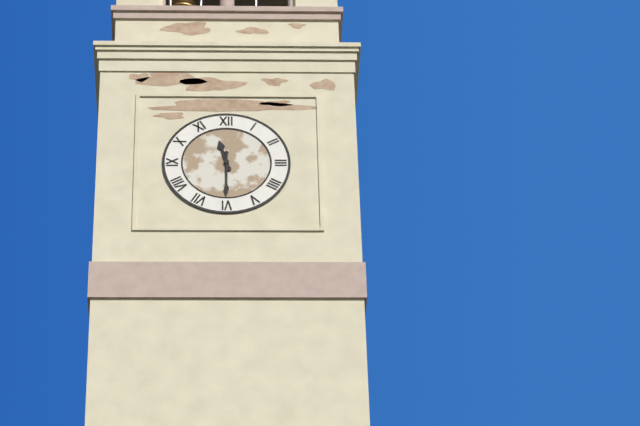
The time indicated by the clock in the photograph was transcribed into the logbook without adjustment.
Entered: 11:30
